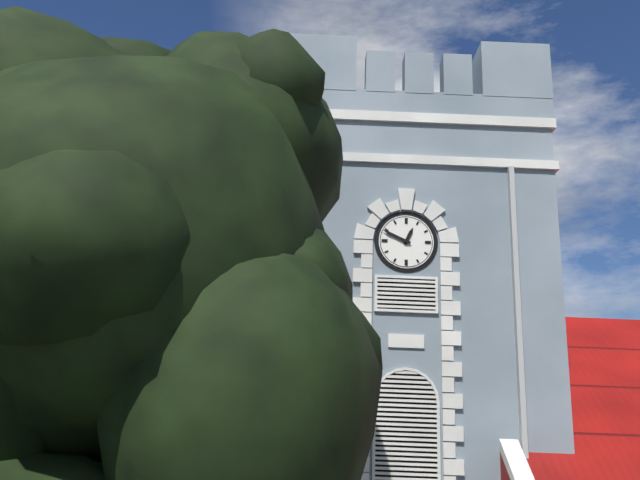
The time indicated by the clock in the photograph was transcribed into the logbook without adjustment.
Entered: 12:49
